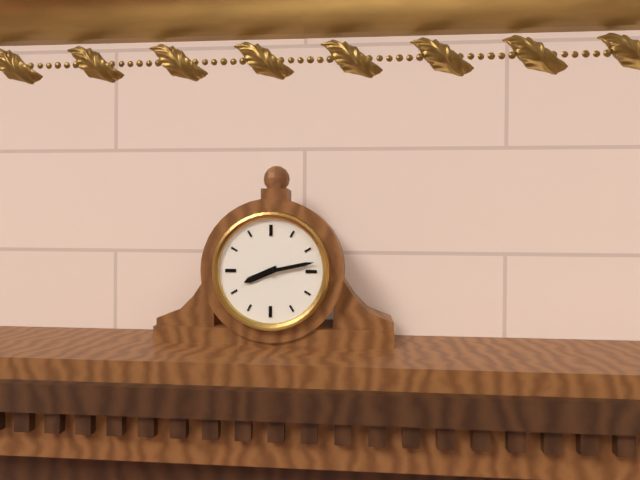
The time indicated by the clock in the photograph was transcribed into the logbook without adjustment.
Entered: 8:13
